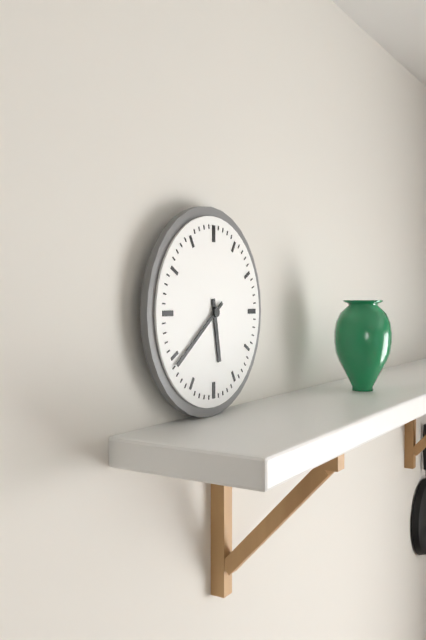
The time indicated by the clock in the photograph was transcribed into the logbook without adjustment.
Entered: 5:39
